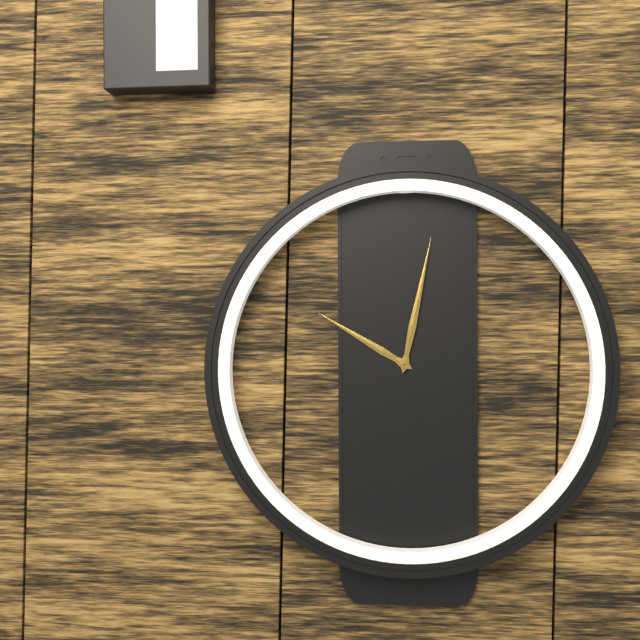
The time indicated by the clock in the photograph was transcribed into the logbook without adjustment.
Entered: 10:02
